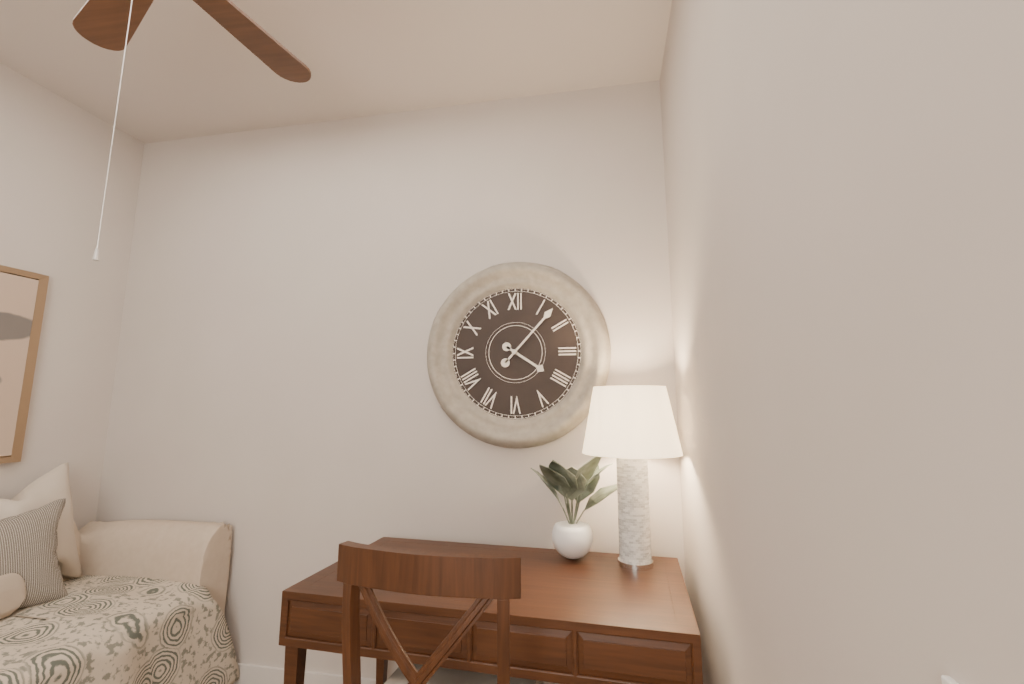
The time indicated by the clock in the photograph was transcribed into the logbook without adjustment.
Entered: 4:07
